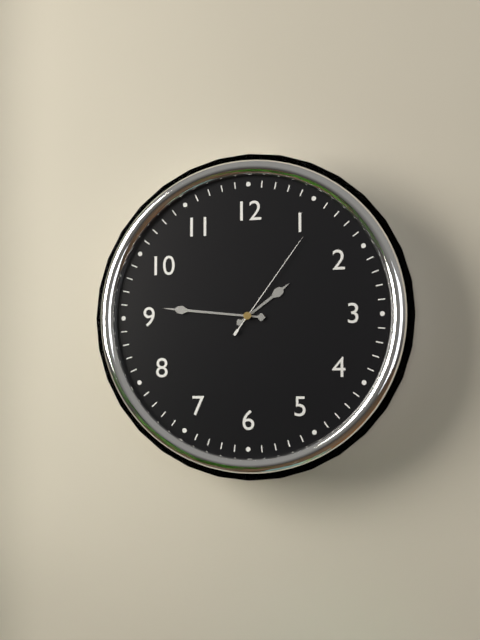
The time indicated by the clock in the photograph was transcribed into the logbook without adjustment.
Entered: 1:46:06
